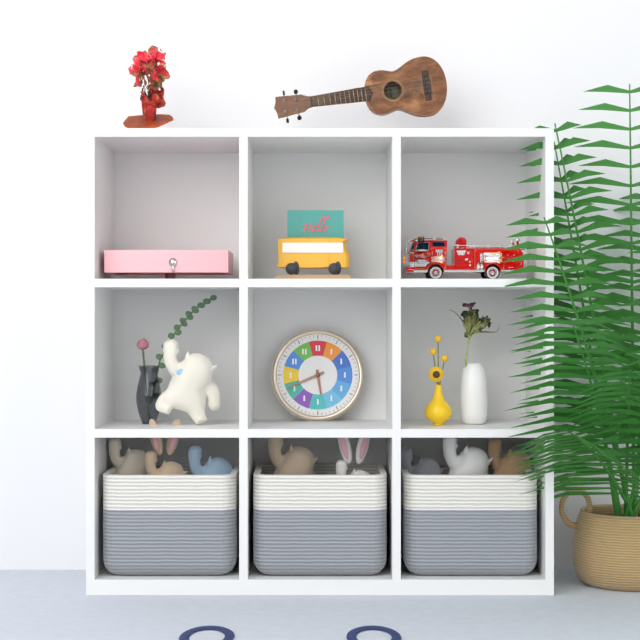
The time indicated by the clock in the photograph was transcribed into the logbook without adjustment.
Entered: 5:41
